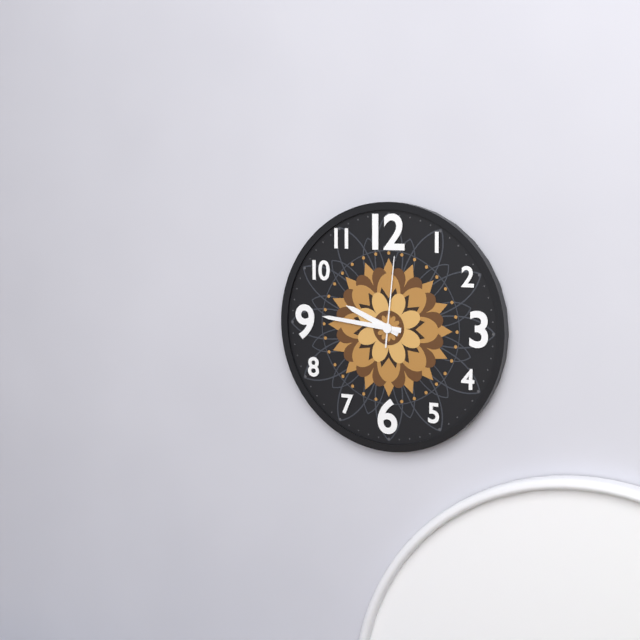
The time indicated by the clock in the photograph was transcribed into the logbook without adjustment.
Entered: 9:46:01
